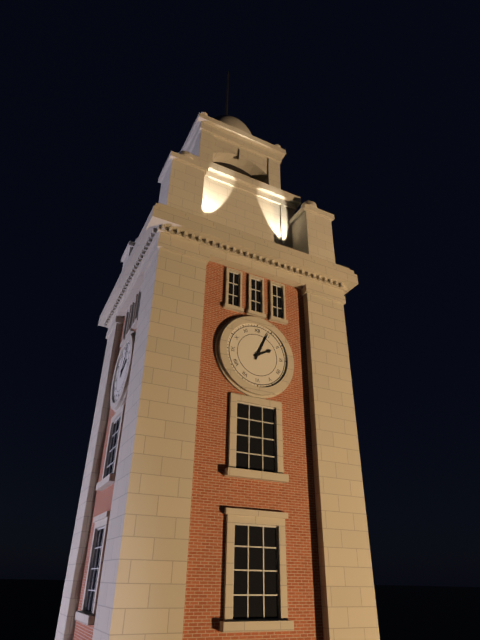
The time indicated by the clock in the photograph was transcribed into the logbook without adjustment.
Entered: 2:04
